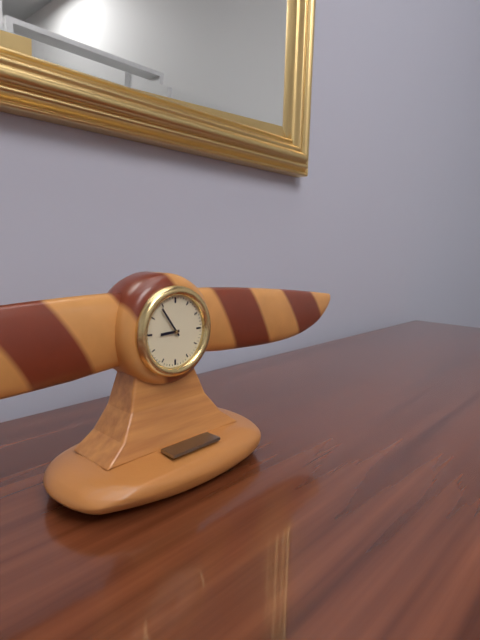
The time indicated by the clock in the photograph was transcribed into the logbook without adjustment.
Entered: 8:54
